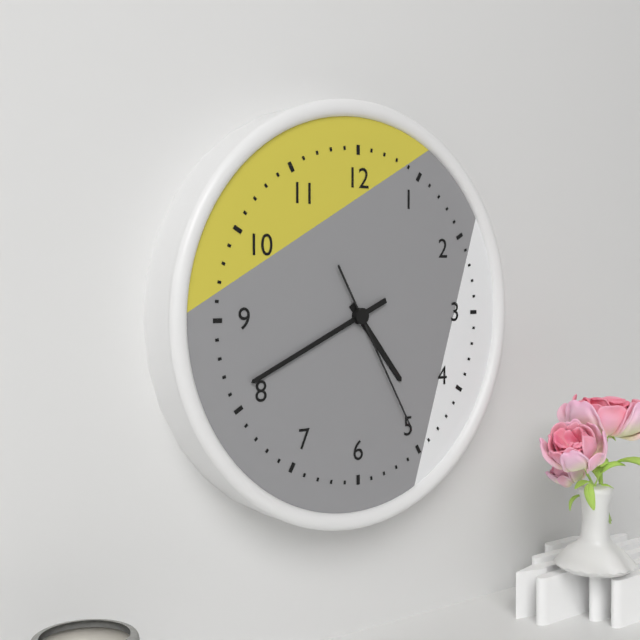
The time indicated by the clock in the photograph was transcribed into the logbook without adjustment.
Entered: 4:41:25
